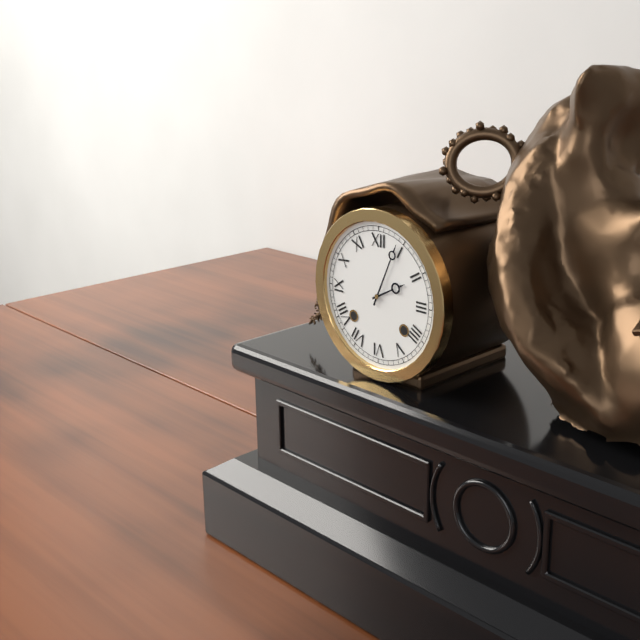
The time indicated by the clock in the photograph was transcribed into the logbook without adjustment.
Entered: 2:04
